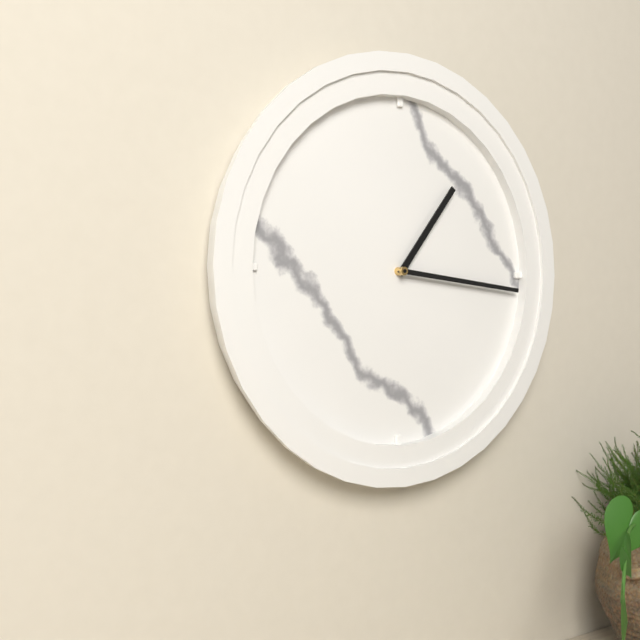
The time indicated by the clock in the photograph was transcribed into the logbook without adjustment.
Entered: 1:16
